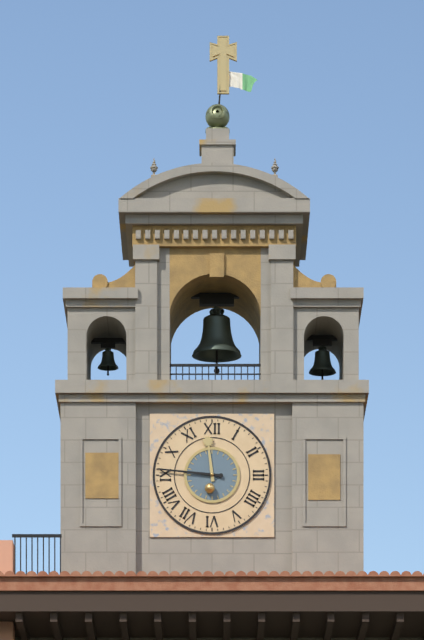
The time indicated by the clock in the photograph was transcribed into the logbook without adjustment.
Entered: 11:46
